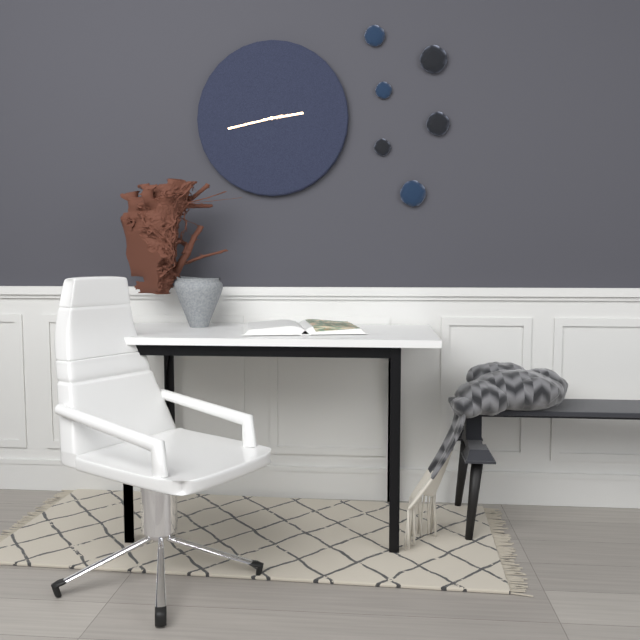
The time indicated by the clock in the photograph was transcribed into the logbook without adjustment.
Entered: 2:43
